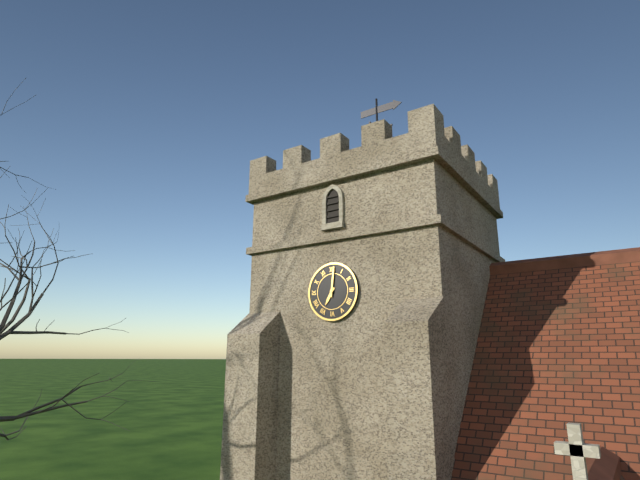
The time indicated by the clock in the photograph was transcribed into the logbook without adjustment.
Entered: 7:01
